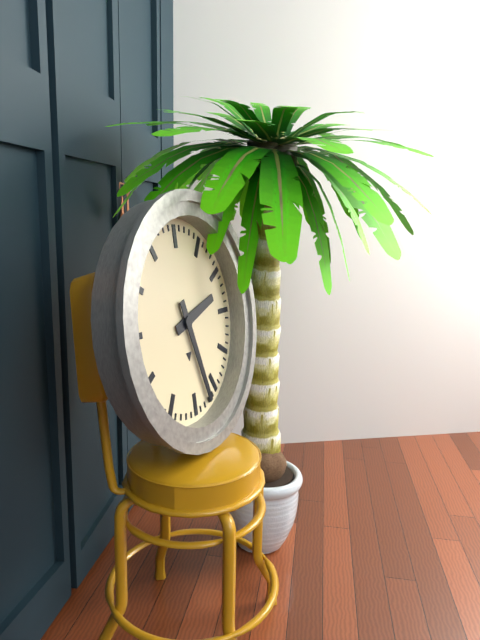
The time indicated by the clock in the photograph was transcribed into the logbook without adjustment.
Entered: 2:27
